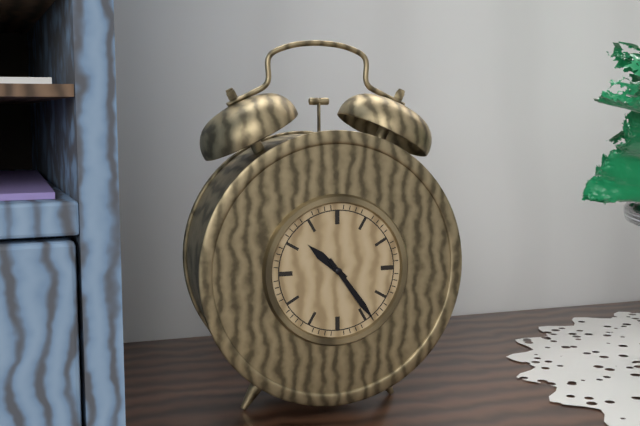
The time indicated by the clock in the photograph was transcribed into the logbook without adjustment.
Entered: 10:24
